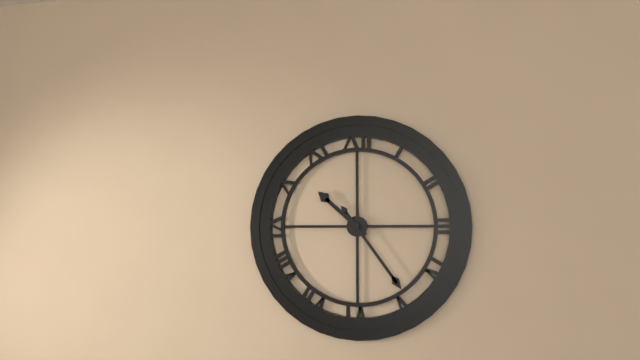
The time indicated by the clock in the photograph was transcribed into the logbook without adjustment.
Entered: 10:24
